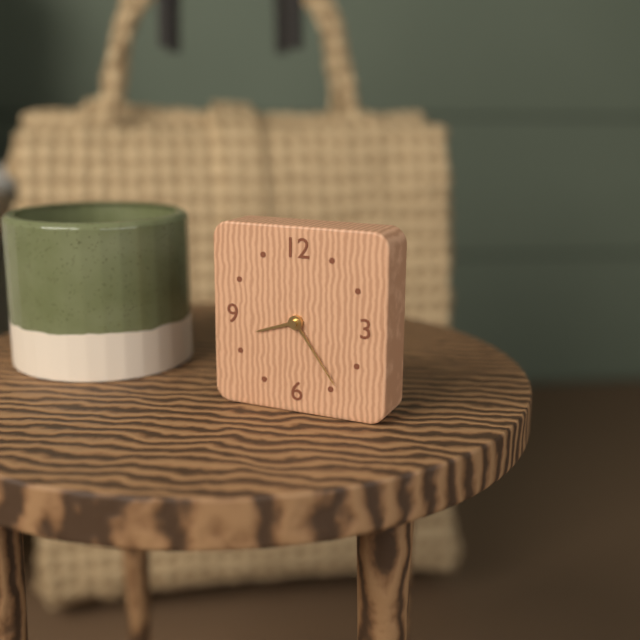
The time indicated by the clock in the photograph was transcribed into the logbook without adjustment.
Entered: 8:24
